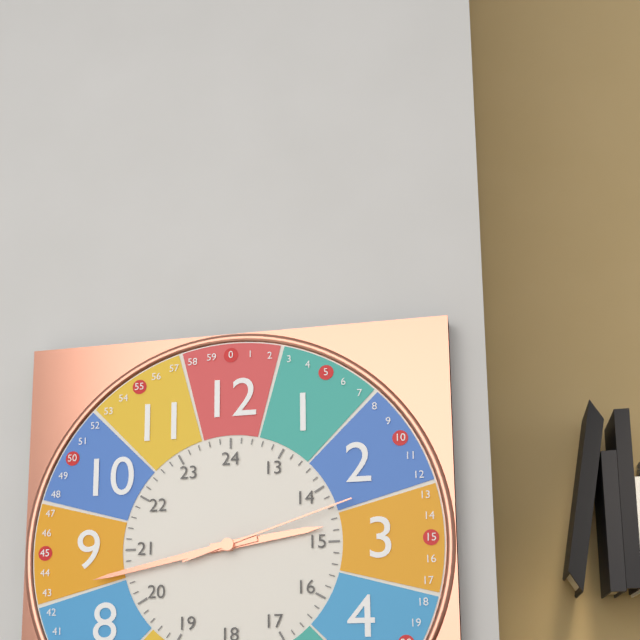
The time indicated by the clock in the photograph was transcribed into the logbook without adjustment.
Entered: 2:43:12
